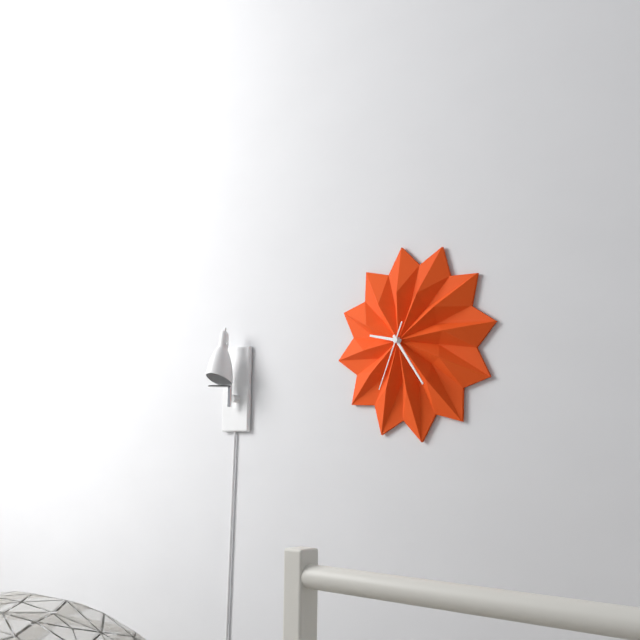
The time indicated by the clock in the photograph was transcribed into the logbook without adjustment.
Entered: 9:24:34
